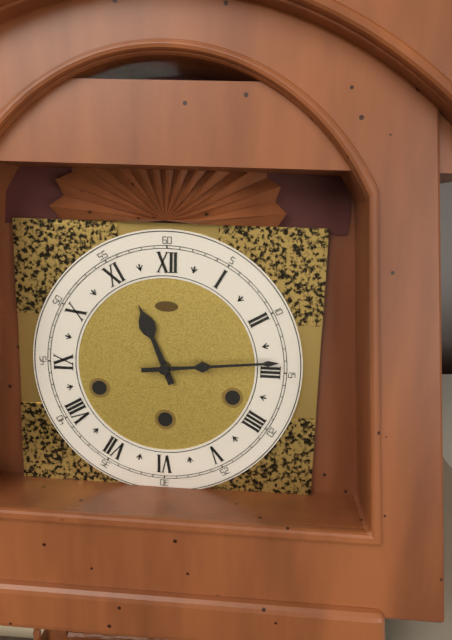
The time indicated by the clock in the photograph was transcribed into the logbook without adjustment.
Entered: 11:14
